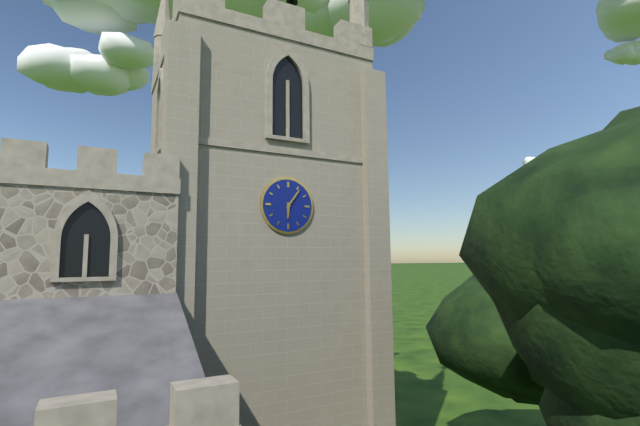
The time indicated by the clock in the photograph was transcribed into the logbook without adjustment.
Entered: 6:06
